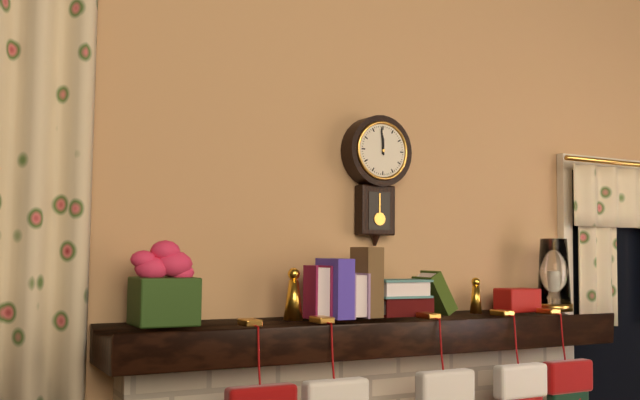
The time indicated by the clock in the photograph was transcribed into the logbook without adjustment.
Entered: 11:59
